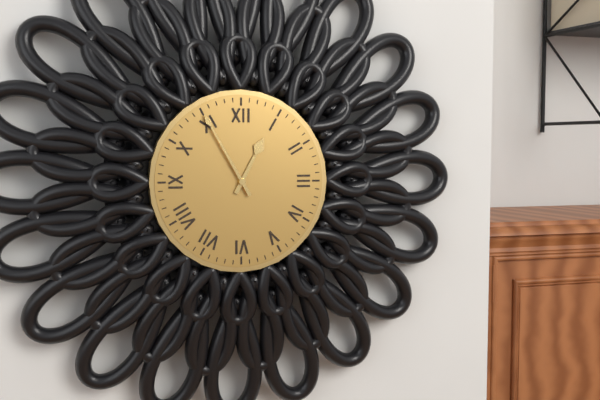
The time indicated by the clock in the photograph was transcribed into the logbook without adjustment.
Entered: 12:55
